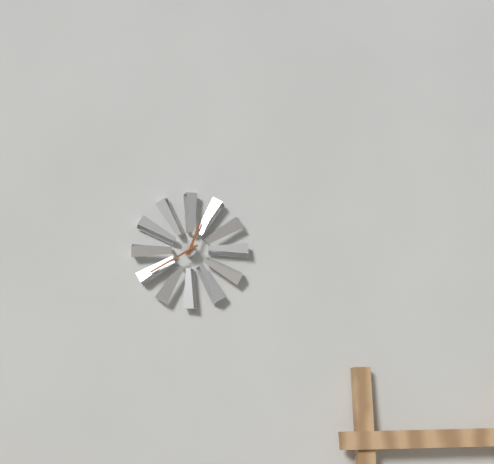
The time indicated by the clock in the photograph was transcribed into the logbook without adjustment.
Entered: 12:40
